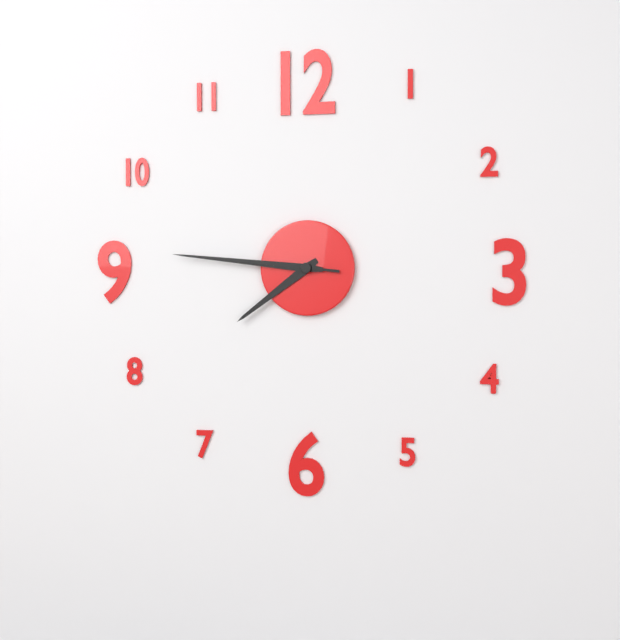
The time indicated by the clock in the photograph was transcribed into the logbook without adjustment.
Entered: 7:46:46
